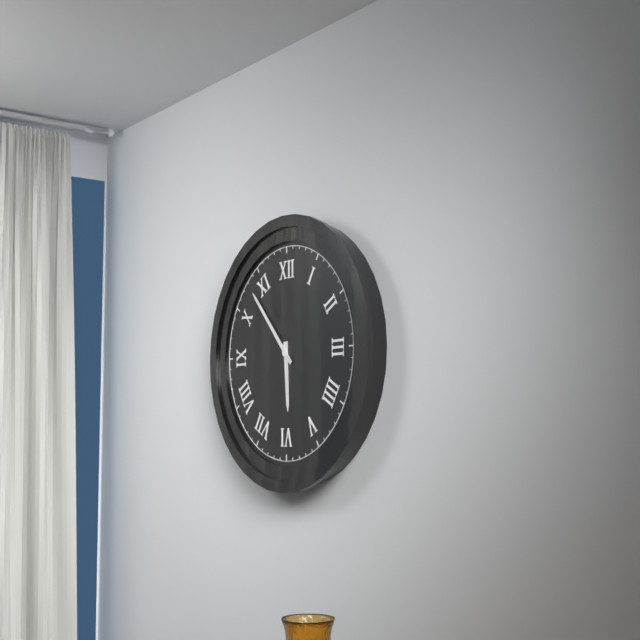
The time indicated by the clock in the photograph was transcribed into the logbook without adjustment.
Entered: 5:53
